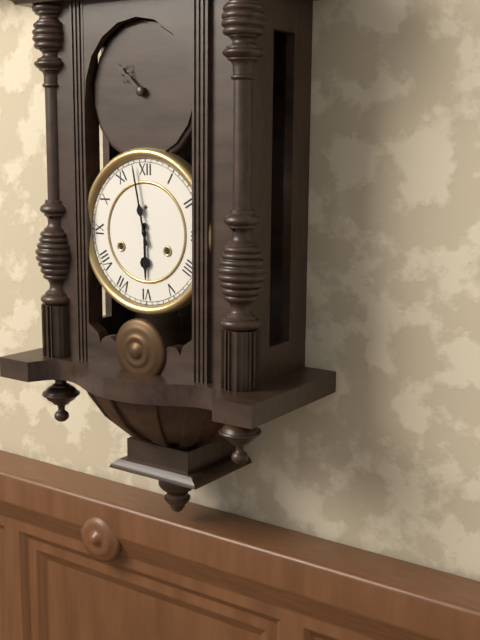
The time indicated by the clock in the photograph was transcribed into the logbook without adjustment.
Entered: 5:58
